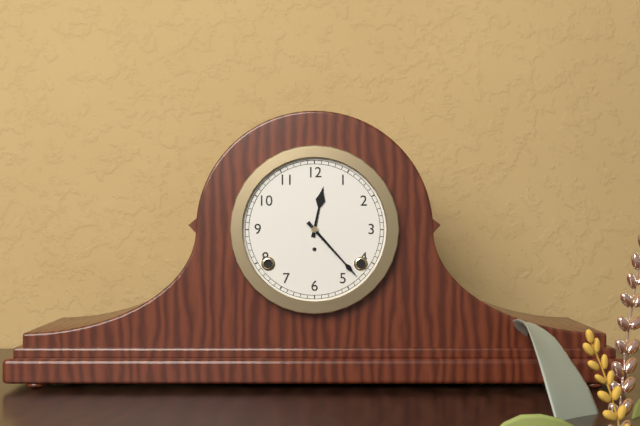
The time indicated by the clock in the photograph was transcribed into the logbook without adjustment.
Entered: 12:23
